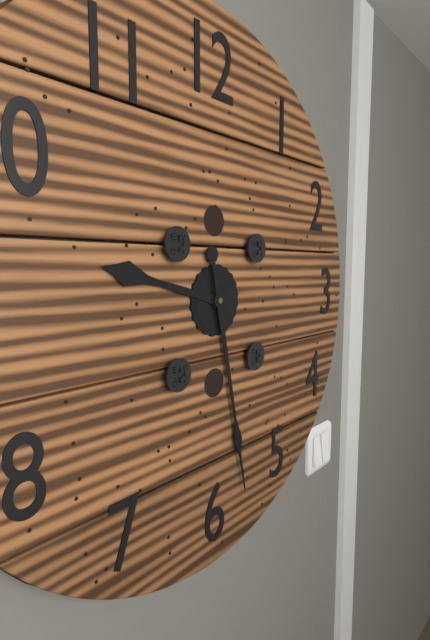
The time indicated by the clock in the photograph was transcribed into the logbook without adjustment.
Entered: 9:28
